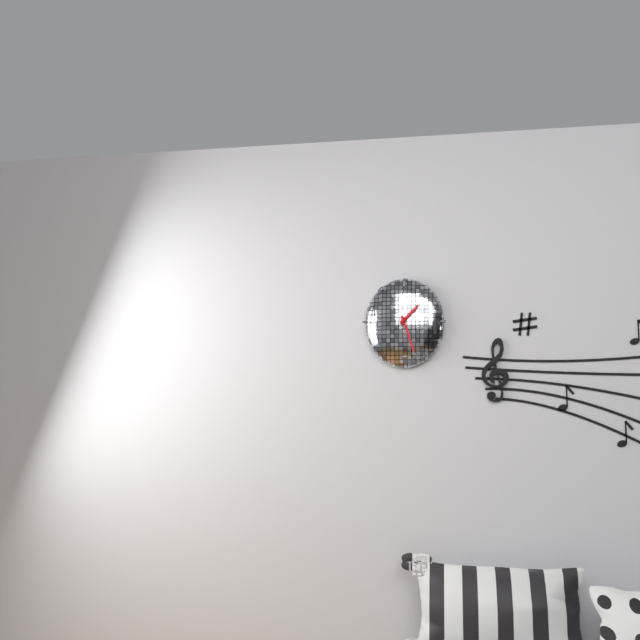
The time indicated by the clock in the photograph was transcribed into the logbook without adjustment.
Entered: 1:27
